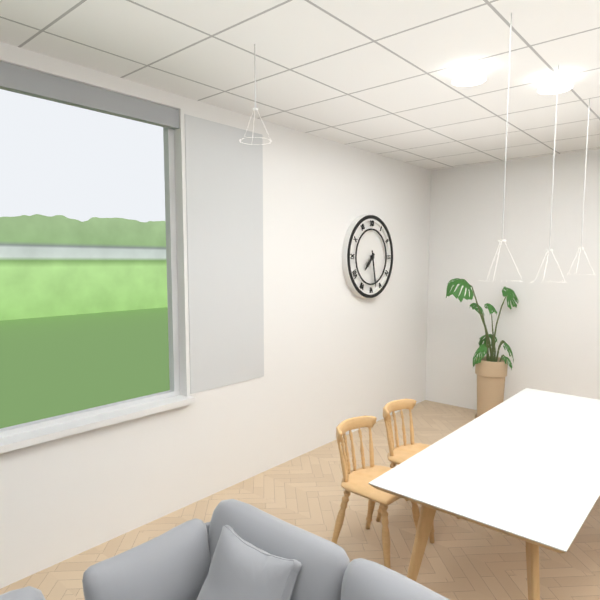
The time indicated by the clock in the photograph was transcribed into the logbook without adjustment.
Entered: 7:28
